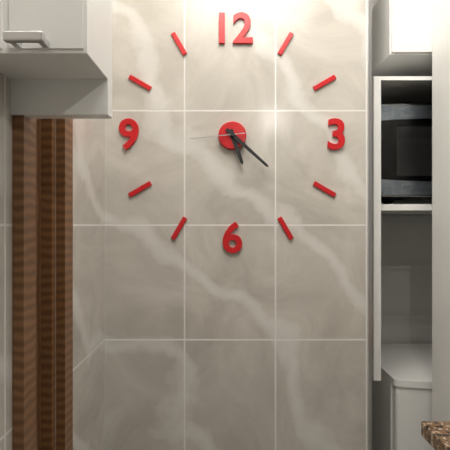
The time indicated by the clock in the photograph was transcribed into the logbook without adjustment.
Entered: 5:22:44
